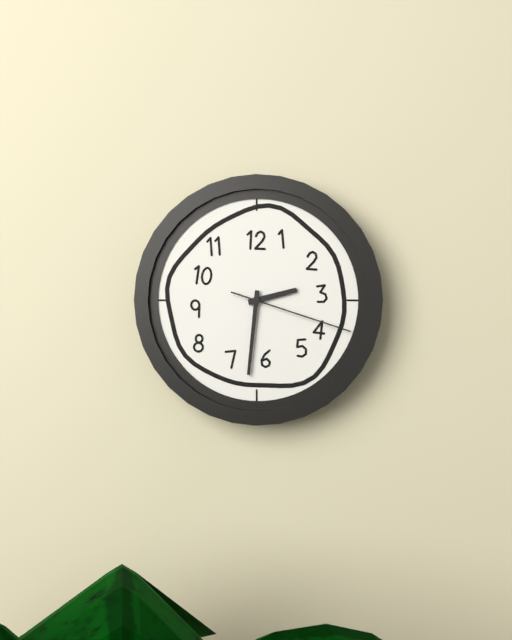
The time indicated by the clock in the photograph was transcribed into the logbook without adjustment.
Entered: 2:31:18
